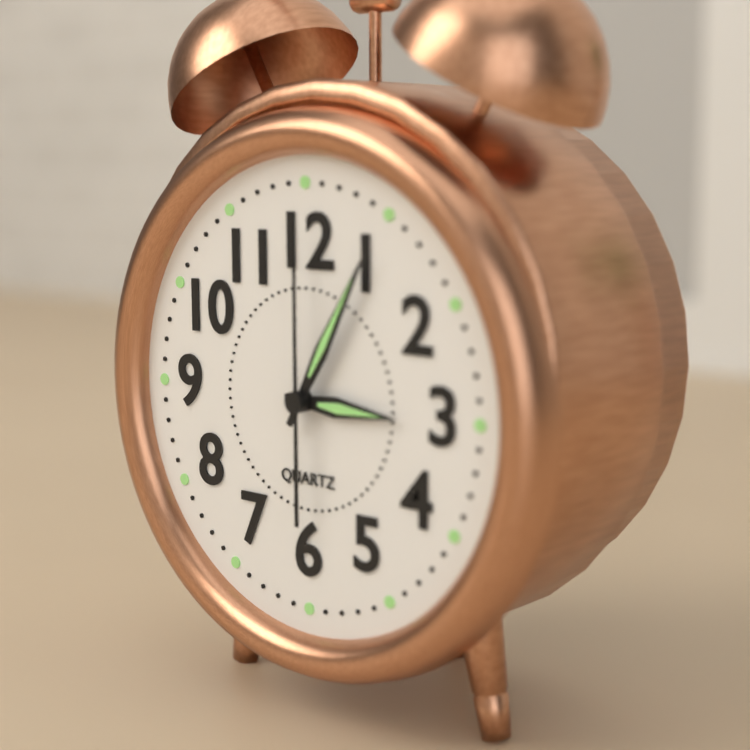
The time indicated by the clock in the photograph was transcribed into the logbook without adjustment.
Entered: 3:05:00
